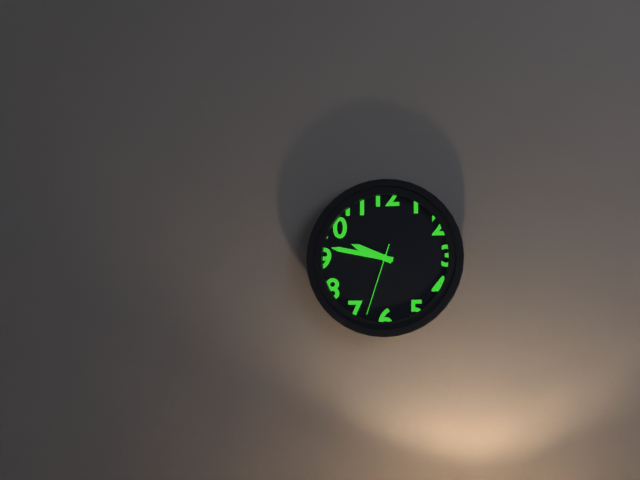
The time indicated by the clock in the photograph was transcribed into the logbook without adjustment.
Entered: 9:47:33
